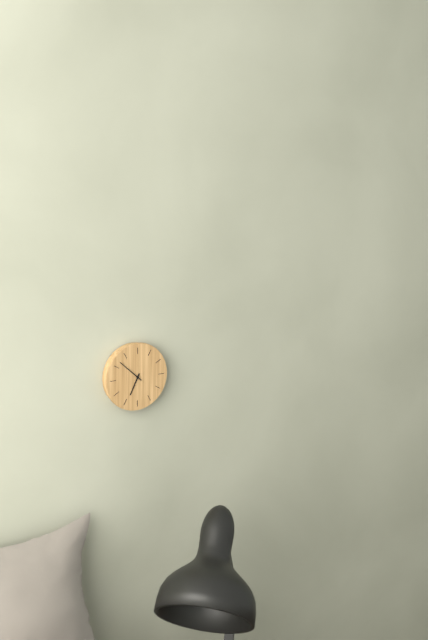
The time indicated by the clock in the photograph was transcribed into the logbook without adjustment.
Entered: 6:52
